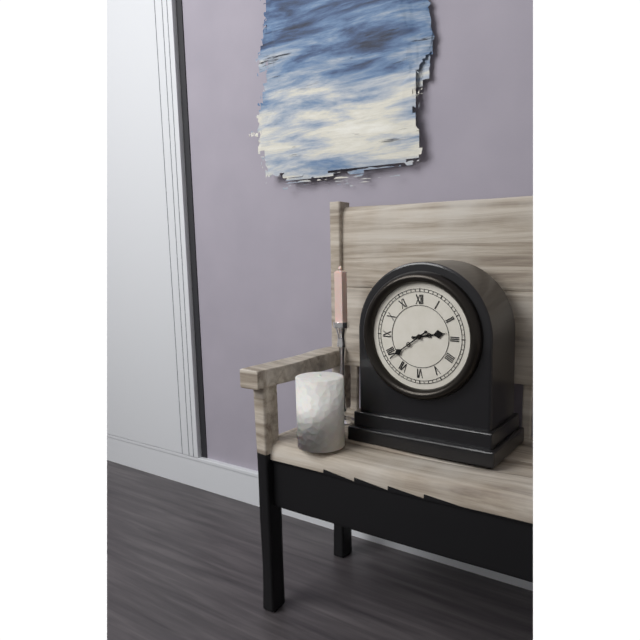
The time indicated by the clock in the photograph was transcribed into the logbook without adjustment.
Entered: 2:39
